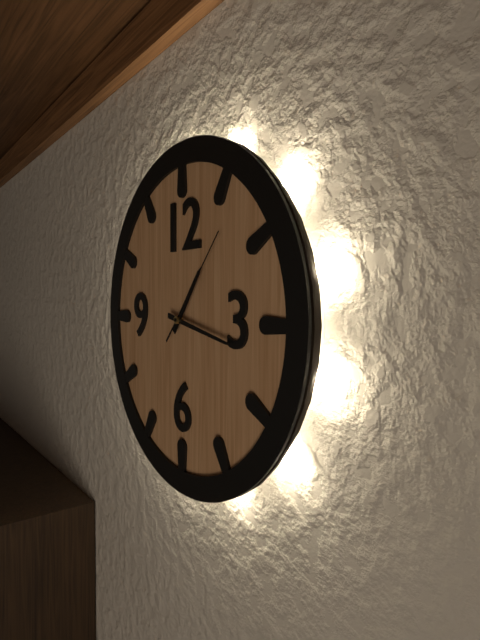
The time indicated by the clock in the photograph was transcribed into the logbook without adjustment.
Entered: 1:17:07
